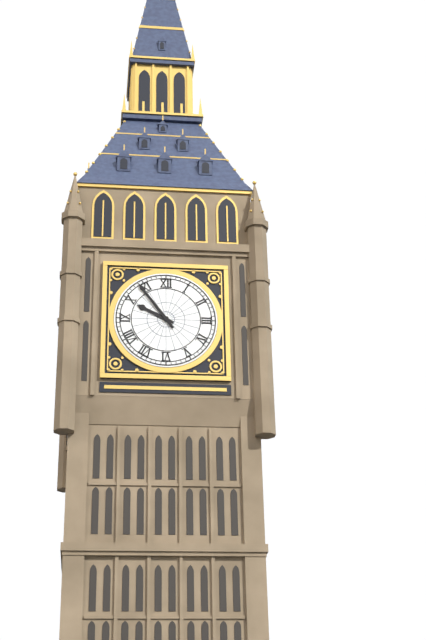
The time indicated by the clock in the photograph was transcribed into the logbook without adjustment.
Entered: 9:54
